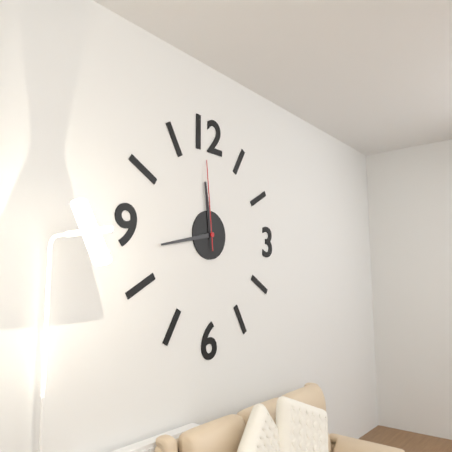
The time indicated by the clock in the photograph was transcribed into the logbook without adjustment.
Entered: 11:43:59
